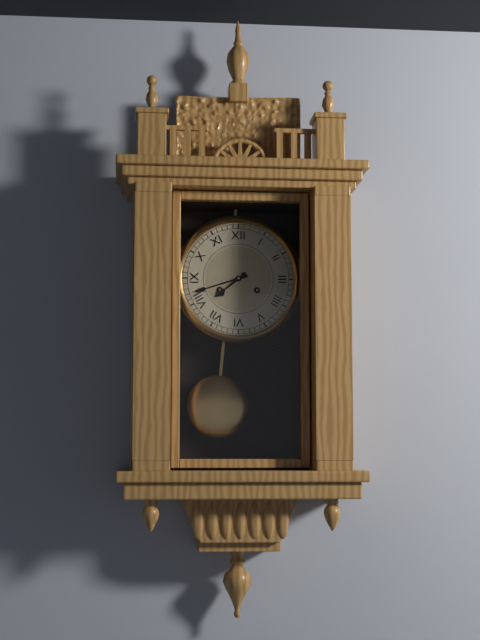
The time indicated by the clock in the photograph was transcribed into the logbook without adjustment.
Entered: 7:42
